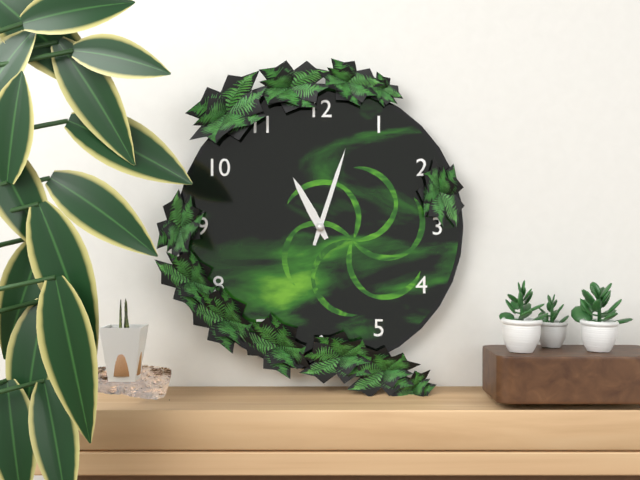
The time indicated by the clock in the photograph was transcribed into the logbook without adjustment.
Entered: 11:03
